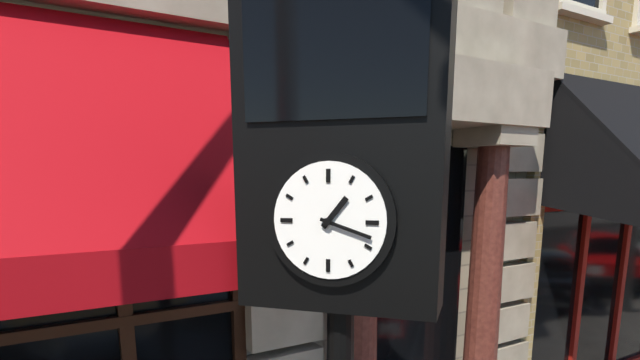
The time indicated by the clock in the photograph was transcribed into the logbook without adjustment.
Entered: 1:18
